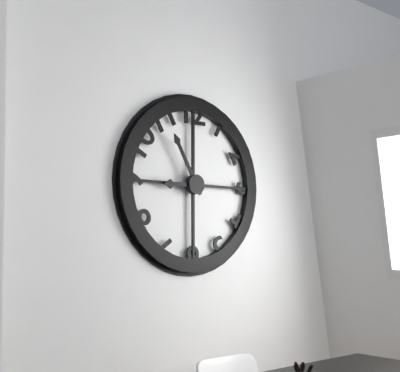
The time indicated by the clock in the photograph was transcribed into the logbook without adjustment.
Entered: 8:55
